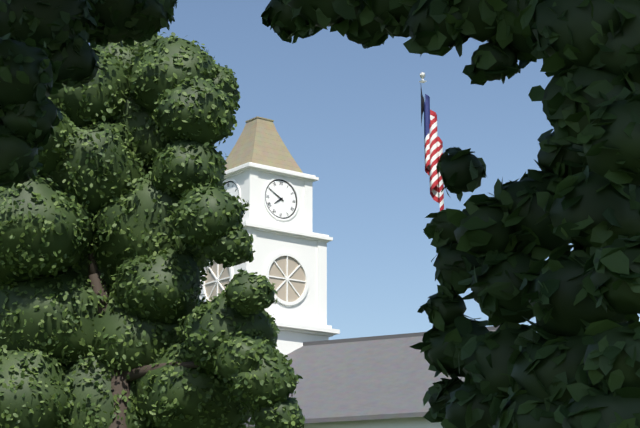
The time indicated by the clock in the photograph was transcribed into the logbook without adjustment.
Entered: 7:50
